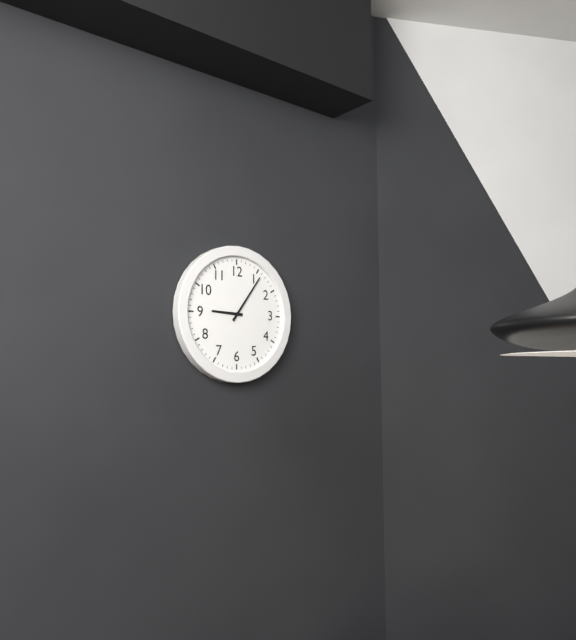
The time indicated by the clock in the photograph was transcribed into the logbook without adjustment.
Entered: 9:06
